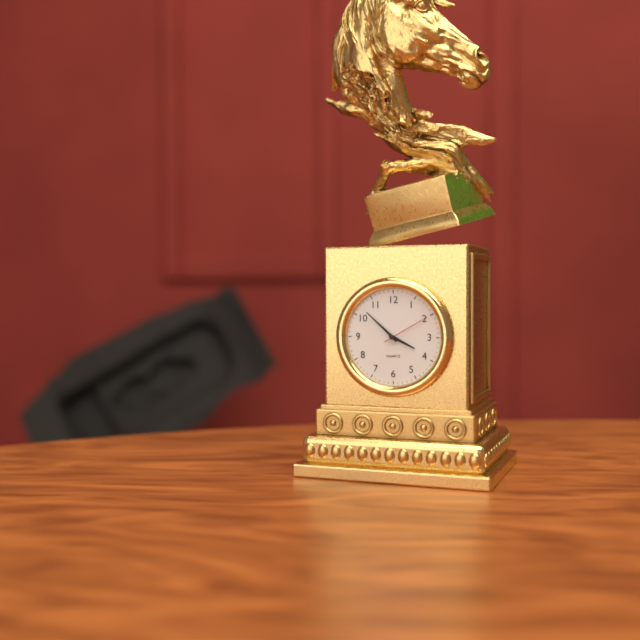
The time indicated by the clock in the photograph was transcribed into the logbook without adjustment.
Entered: 3:52
